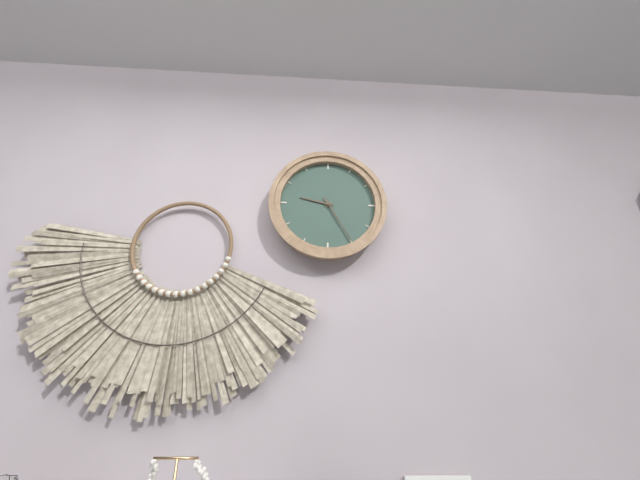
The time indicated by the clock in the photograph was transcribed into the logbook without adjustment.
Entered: 9:25
